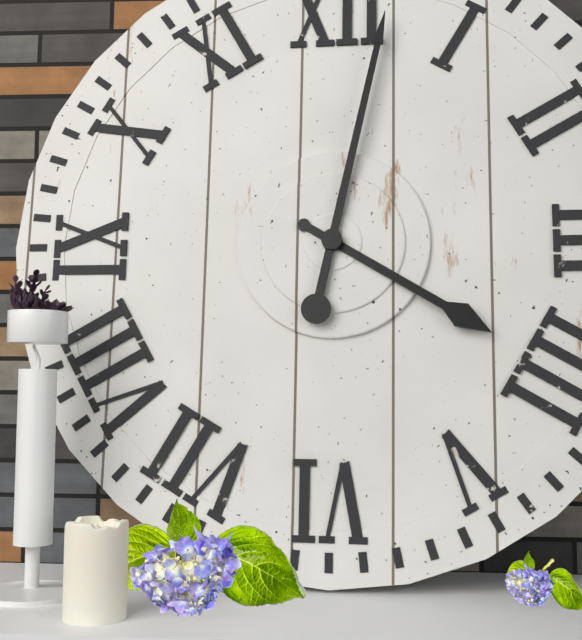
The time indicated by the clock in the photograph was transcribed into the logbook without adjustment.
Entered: 4:02
